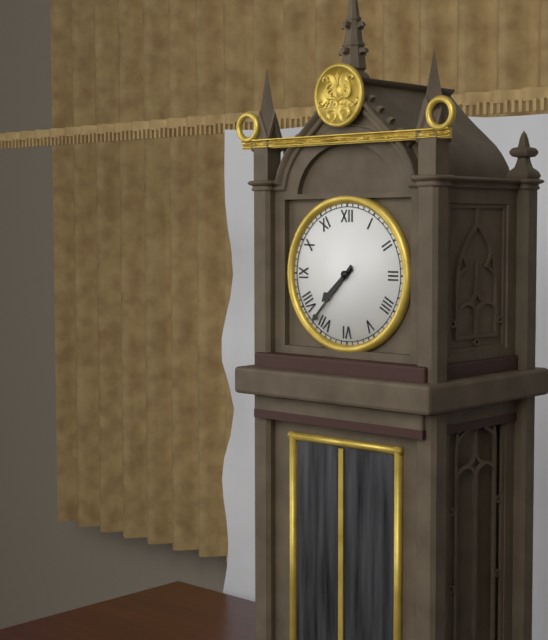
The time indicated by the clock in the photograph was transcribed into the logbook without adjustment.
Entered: 7:37
